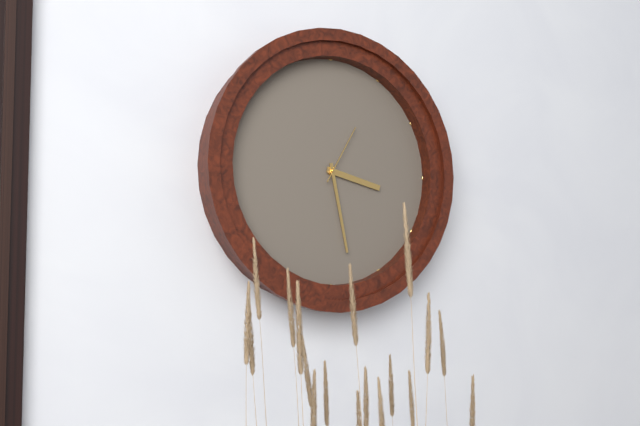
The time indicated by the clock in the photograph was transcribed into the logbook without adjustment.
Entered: 3:28:05
